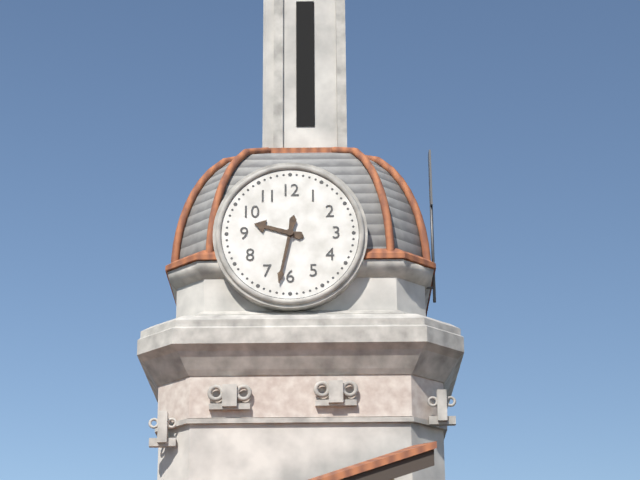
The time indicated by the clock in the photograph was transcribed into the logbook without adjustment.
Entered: 9:32
